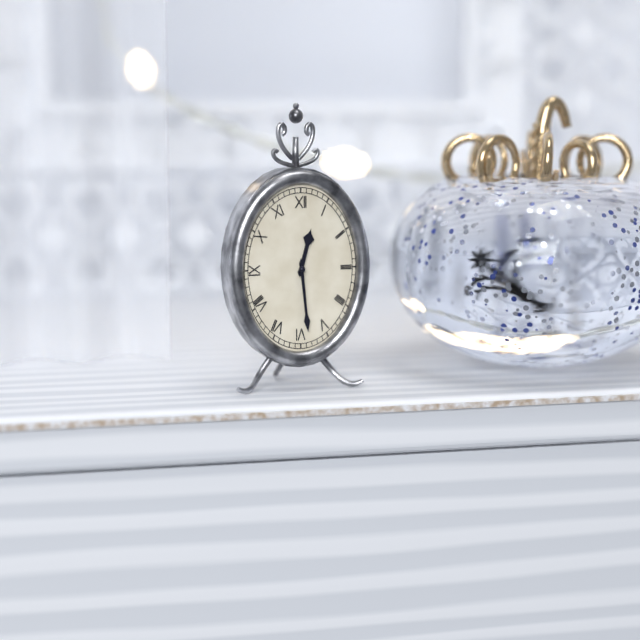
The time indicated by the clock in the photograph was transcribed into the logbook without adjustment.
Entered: 12:29
